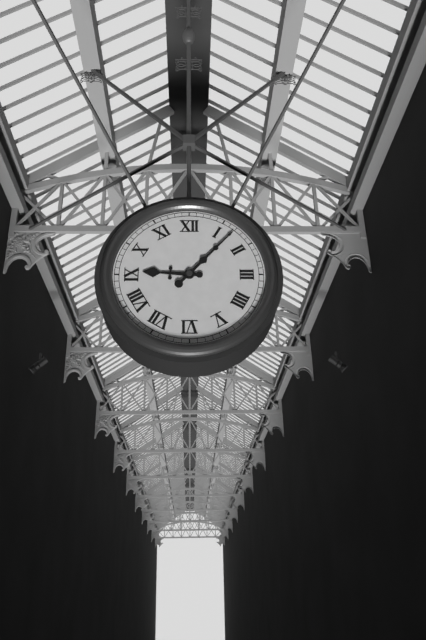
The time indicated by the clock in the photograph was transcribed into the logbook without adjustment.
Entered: 9:07
